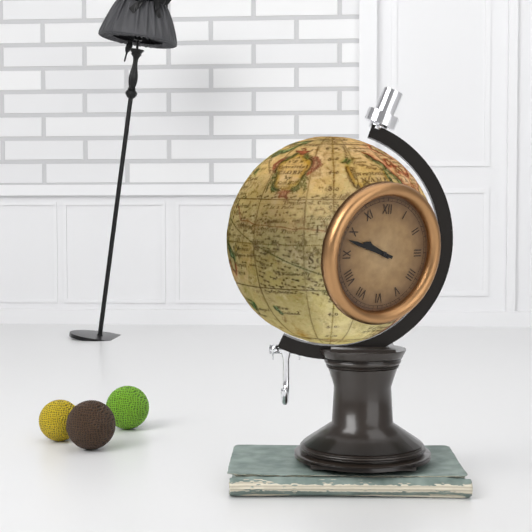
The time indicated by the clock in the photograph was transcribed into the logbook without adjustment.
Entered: 9:48
